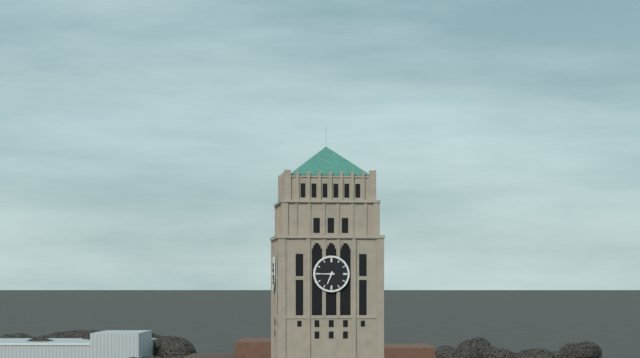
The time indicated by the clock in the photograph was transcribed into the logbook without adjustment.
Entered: 6:45
